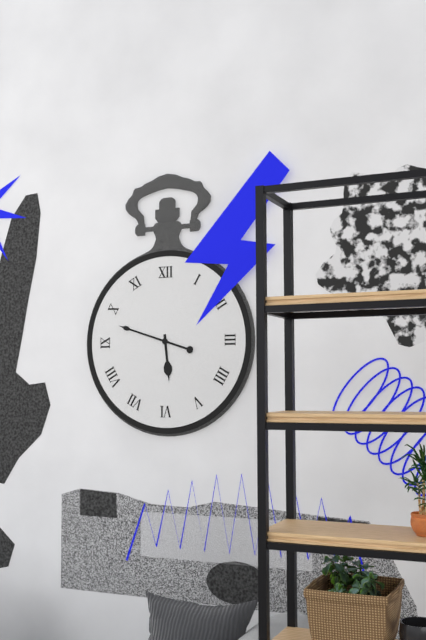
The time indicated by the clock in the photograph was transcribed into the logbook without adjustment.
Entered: 5:48
